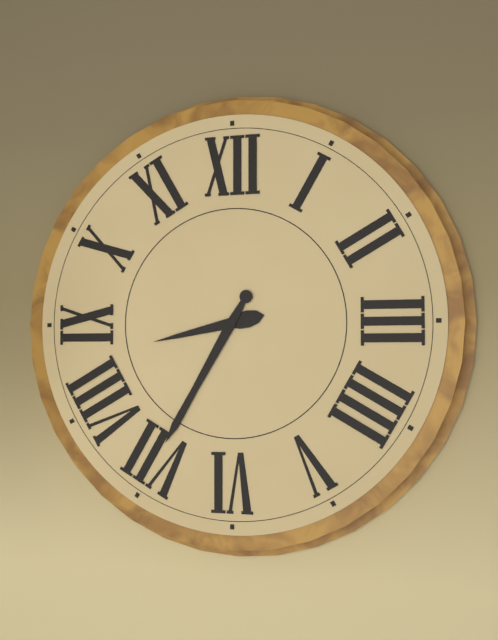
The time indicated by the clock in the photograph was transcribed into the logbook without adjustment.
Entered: 8:35
